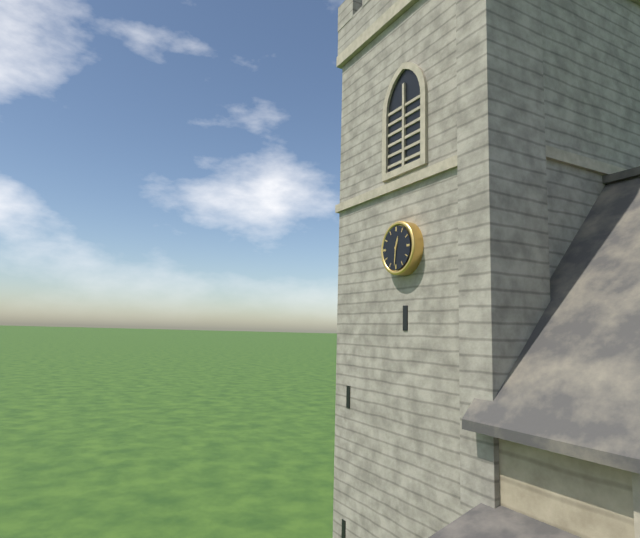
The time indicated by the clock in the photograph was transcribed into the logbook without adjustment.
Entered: 12:31
